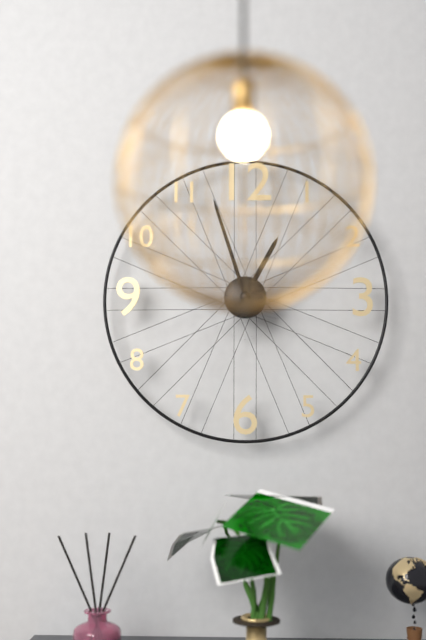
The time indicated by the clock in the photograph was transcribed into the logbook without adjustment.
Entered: 12:57
